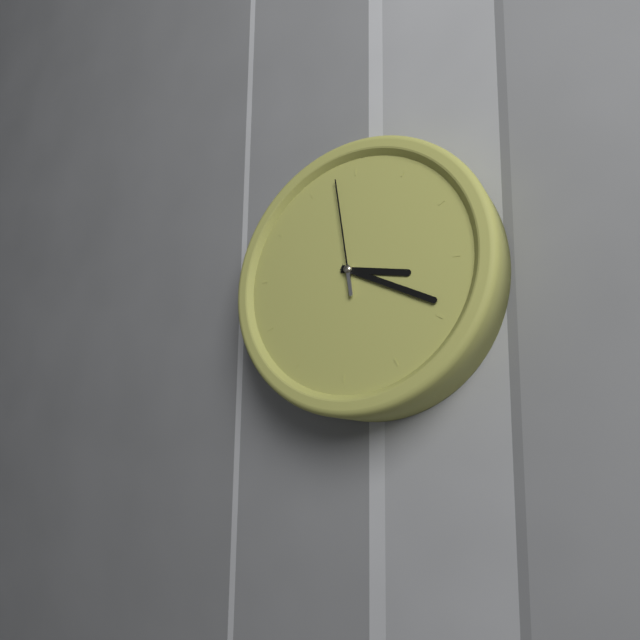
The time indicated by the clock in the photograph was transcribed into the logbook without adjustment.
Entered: 3:19:58
